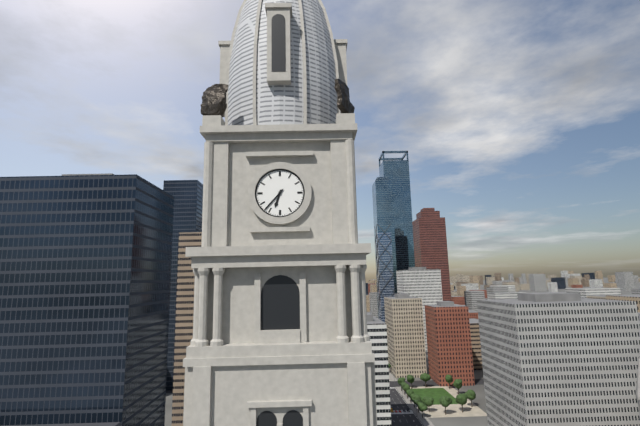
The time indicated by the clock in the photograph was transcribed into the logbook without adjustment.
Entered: 6:37
